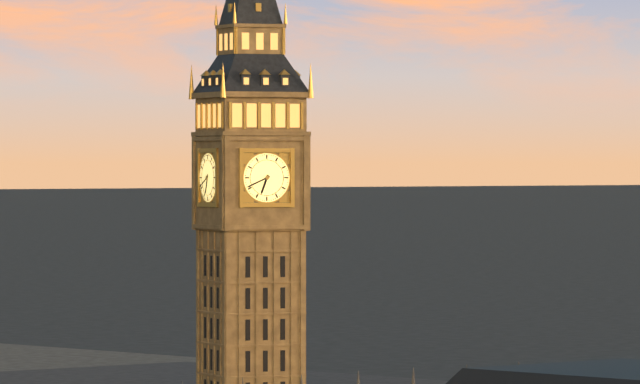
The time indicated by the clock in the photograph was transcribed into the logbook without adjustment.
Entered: 6:41
